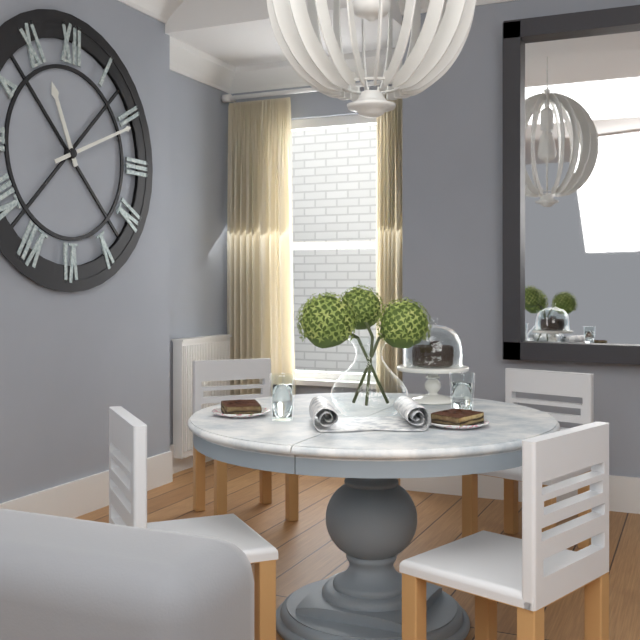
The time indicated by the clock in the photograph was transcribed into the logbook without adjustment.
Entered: 11:11
